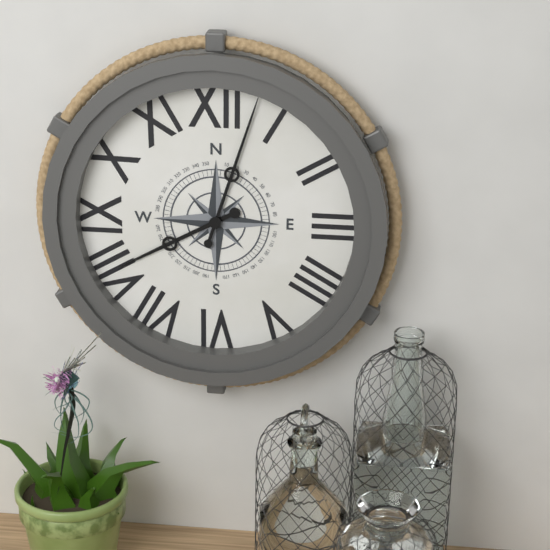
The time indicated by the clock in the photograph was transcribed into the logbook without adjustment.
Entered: 8:03
